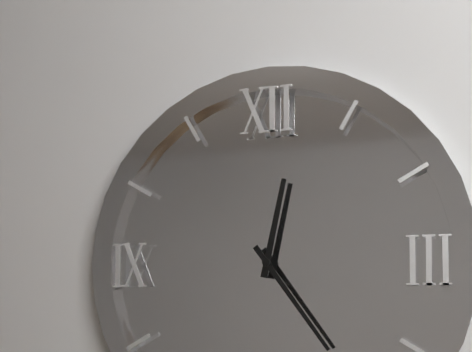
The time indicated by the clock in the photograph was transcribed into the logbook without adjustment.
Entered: 12:24
